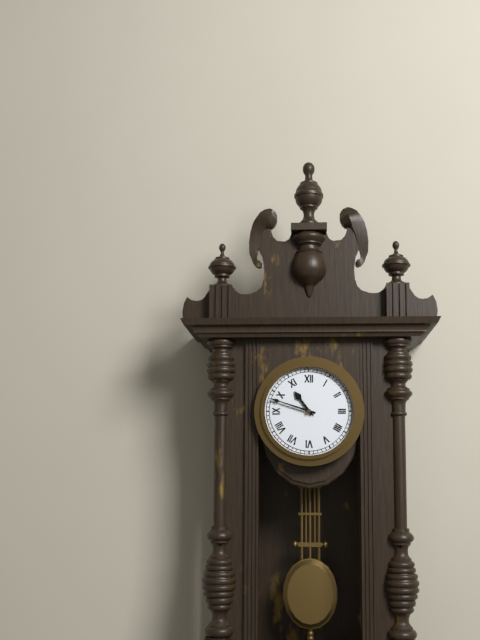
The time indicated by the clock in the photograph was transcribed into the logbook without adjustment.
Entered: 10:48
